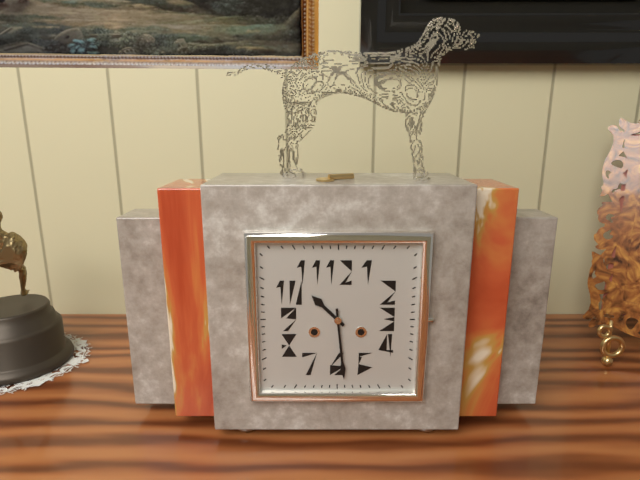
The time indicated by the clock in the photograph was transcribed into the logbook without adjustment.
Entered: 10:29
